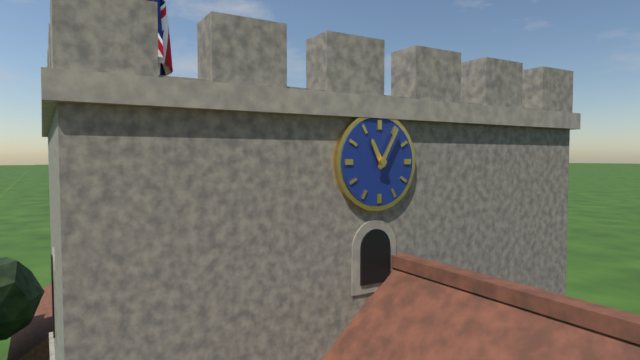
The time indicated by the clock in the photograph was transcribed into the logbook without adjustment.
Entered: 11:05
